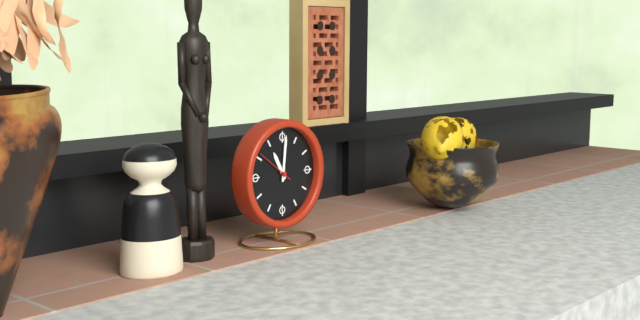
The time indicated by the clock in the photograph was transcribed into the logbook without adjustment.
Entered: 11:01
